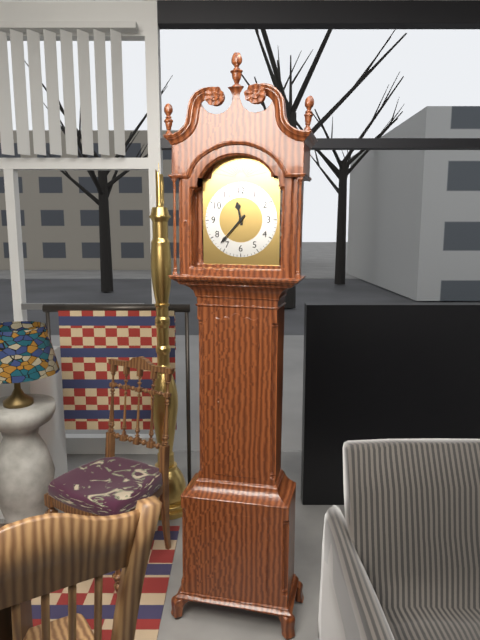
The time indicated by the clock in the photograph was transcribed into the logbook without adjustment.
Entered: 11:37
